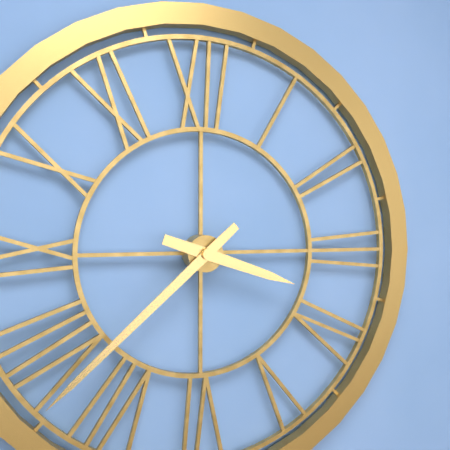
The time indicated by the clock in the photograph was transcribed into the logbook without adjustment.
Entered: 3:38
